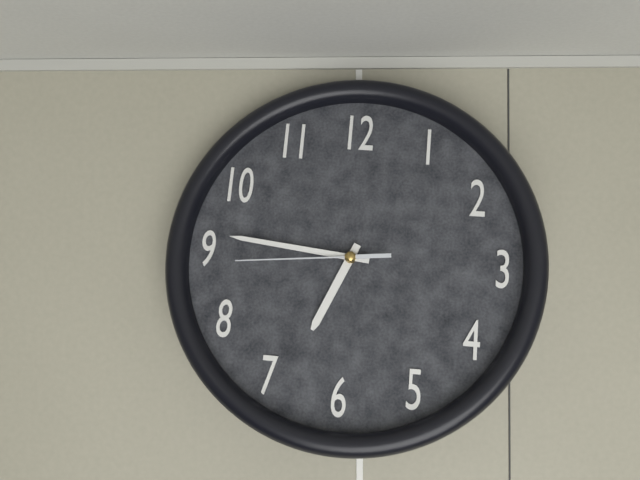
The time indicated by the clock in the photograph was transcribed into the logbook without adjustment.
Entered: 6:46:44
